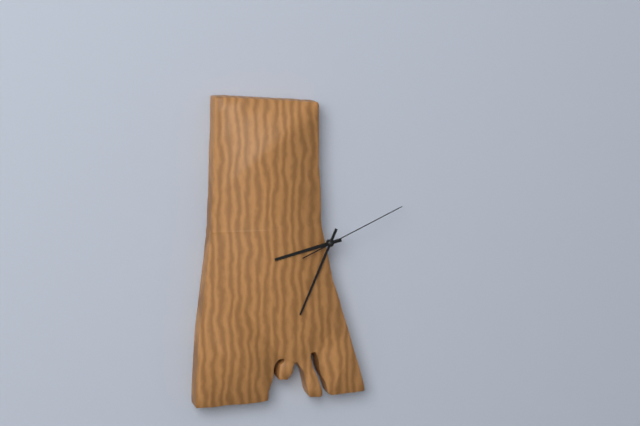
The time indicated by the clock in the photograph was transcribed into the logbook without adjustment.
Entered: 8:34:11
